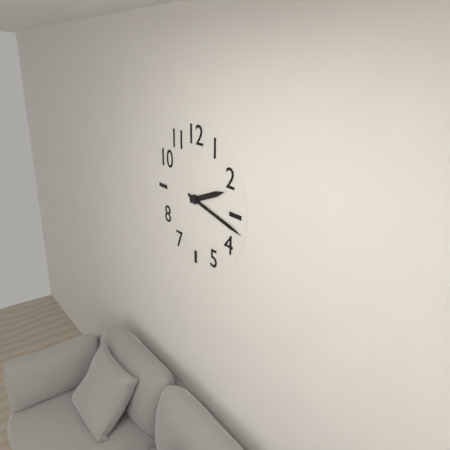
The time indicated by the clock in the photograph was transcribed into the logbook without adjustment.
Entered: 2:17
